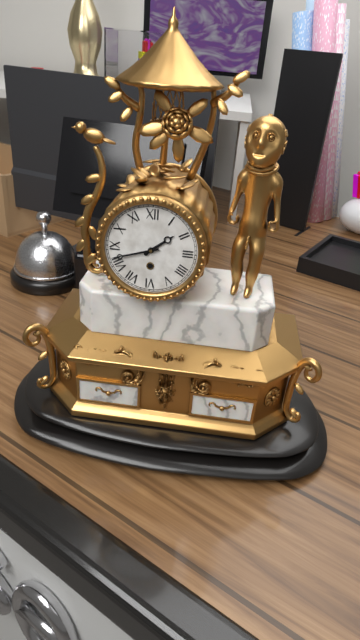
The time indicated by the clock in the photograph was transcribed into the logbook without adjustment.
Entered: 1:42
